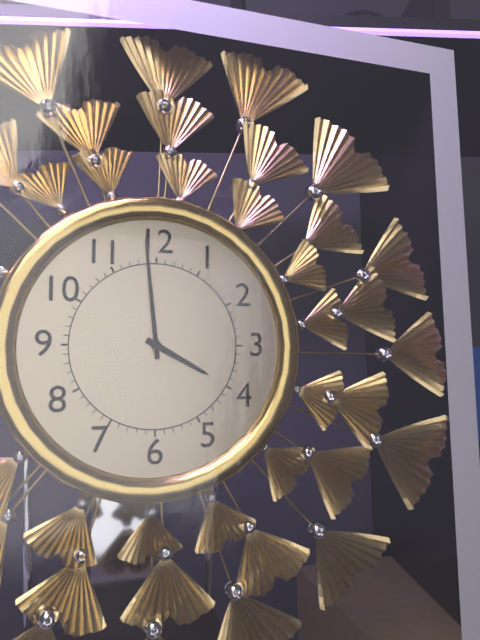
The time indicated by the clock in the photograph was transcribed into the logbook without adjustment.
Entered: 3:59
